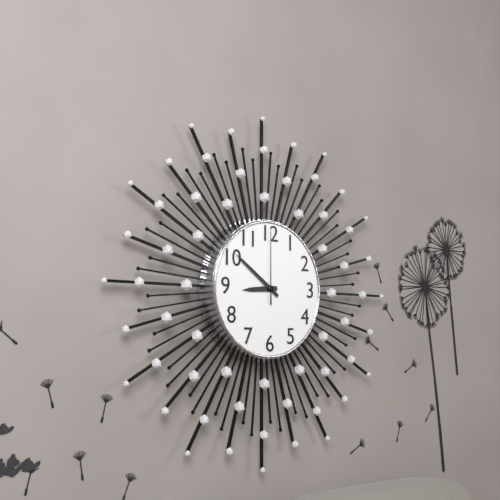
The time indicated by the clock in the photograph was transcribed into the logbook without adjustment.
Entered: 8:51:00
